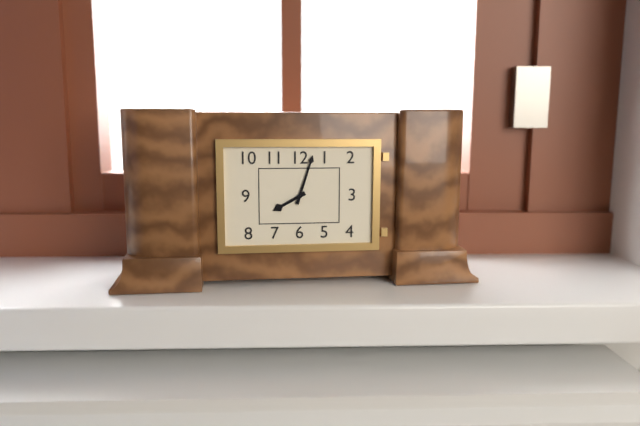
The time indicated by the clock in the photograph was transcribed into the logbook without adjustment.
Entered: 8:03
